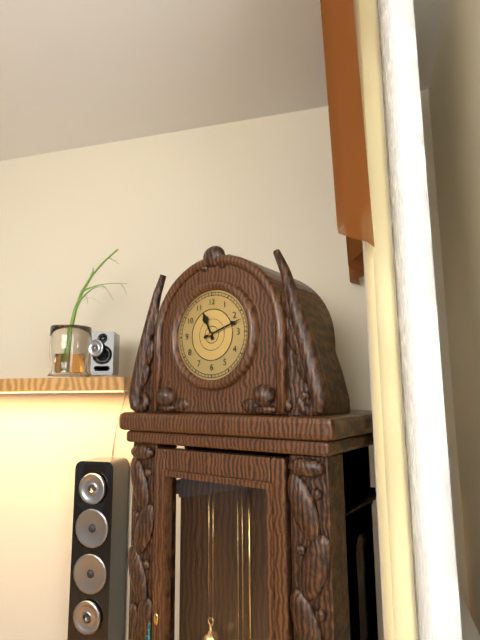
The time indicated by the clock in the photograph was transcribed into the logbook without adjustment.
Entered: 11:12
